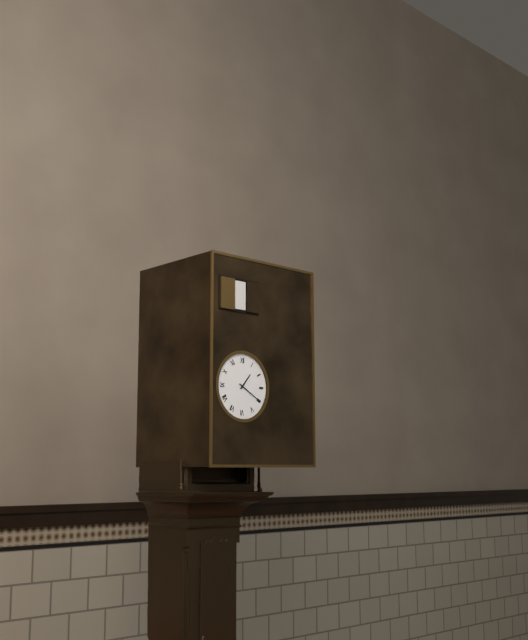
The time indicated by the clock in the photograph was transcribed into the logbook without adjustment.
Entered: 1:20
